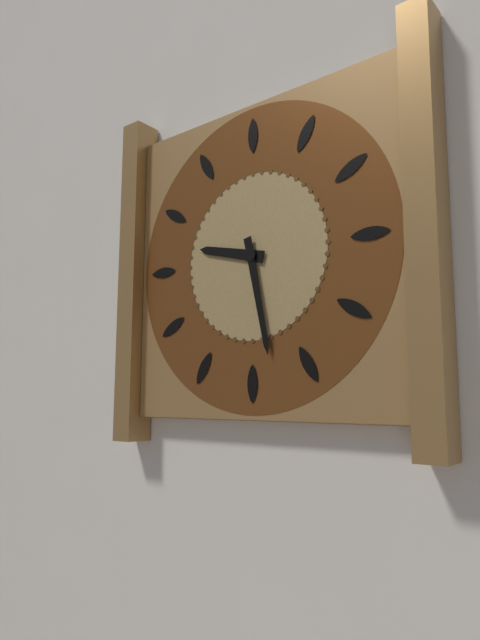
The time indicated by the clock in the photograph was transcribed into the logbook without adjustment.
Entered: 9:28
